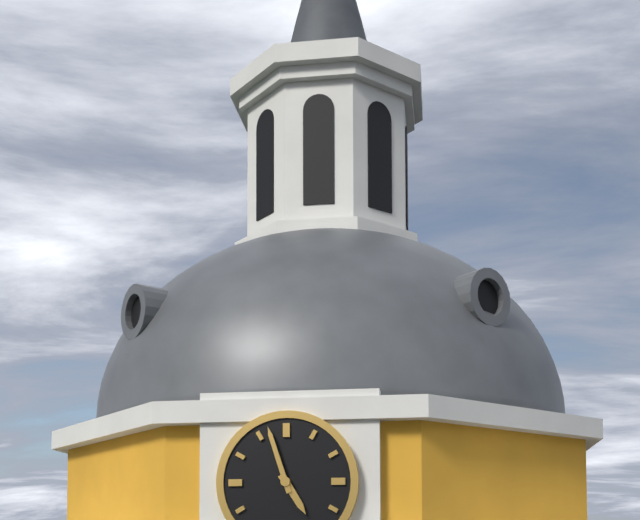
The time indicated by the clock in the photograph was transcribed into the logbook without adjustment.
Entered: 4:57
